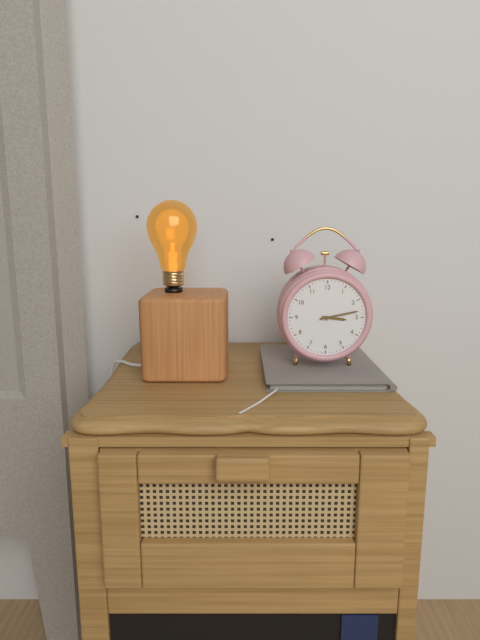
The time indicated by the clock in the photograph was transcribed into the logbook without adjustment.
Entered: 3:13
